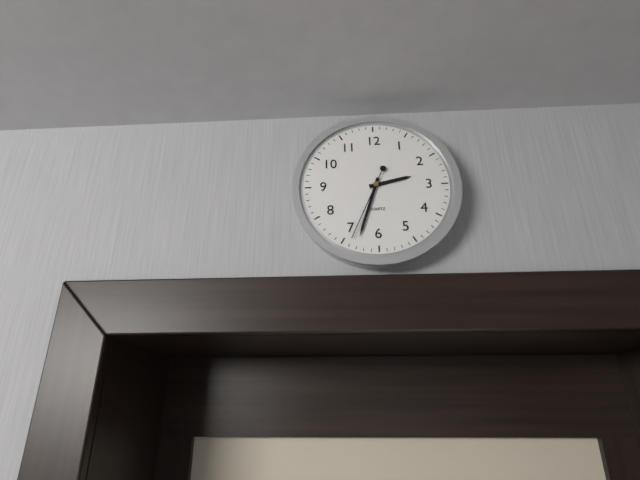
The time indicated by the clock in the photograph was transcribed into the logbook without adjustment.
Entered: 2:33:34
